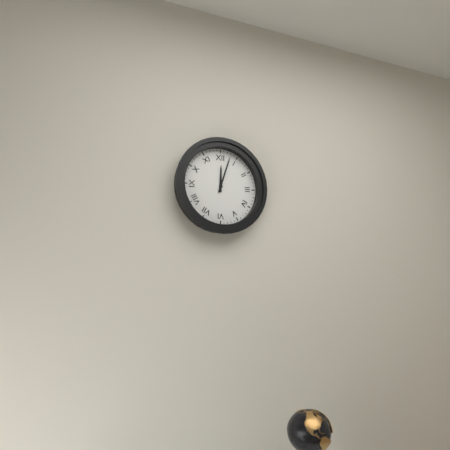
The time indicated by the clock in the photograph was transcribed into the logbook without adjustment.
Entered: 12:03
